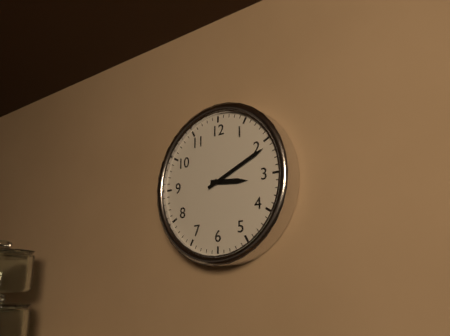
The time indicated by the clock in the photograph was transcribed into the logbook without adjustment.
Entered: 3:11
